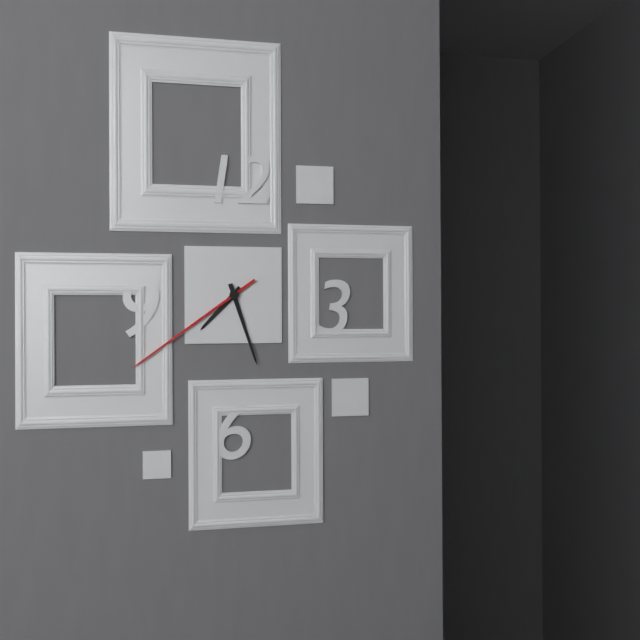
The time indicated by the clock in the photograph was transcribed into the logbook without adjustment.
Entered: 7:27:39
